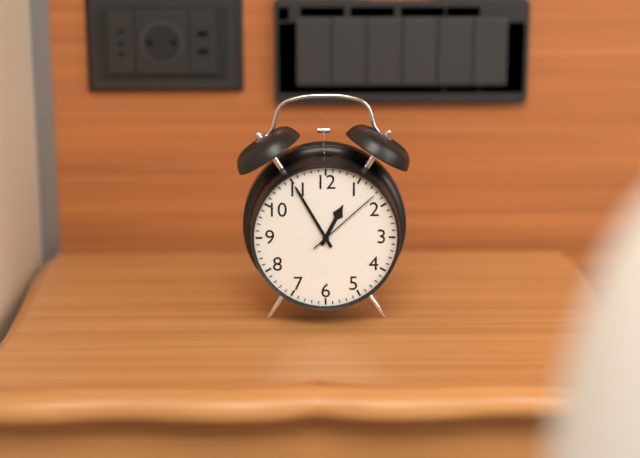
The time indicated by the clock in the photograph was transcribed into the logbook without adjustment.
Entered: 12:55:08
